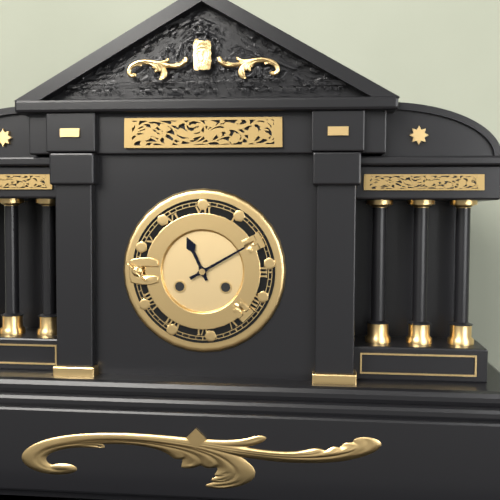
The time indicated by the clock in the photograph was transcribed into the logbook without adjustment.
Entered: 11:10
